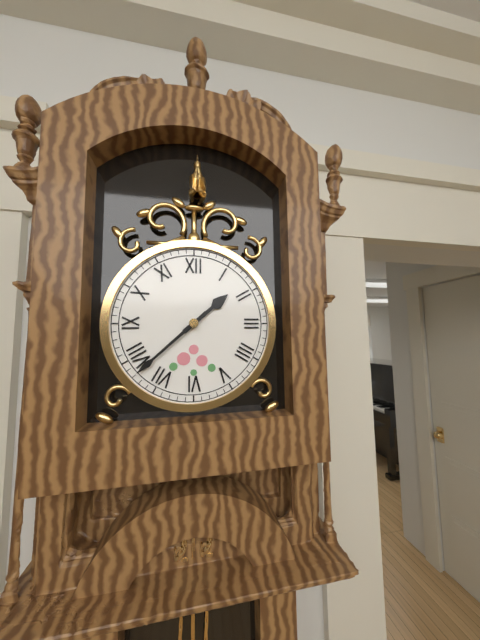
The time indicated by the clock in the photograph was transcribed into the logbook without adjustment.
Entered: 1:38
